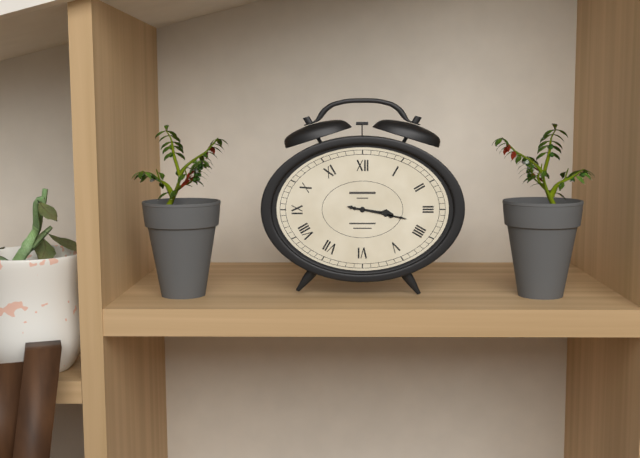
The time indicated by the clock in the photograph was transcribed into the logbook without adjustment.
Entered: 3:17
